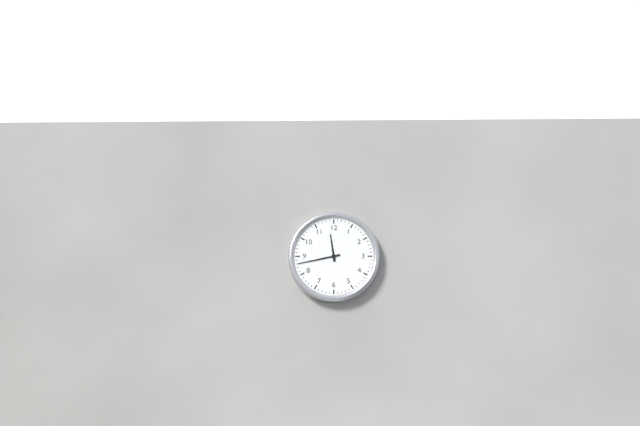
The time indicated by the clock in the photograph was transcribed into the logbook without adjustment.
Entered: 11:43
